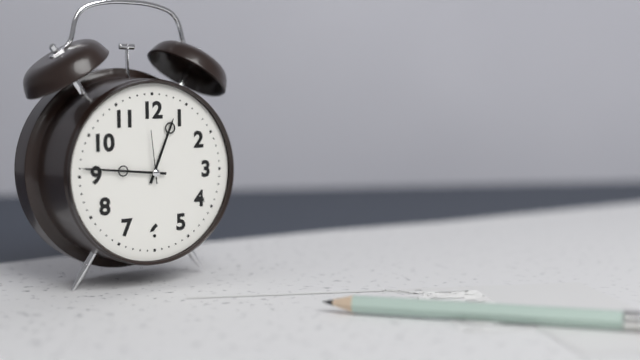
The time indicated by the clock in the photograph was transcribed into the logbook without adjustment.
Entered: 12:46:59
